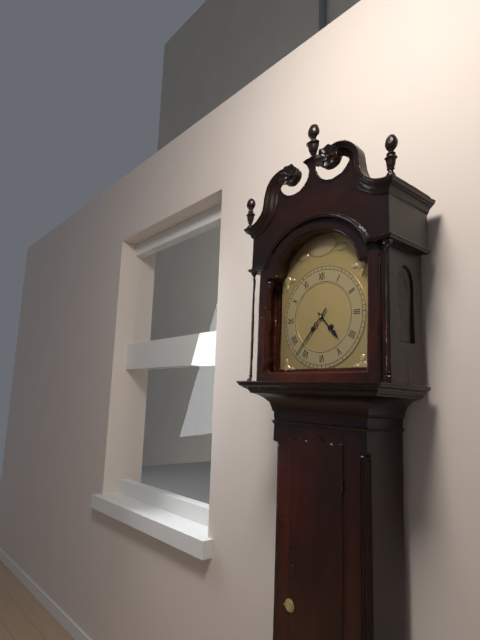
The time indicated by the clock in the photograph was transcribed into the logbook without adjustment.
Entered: 4:37
